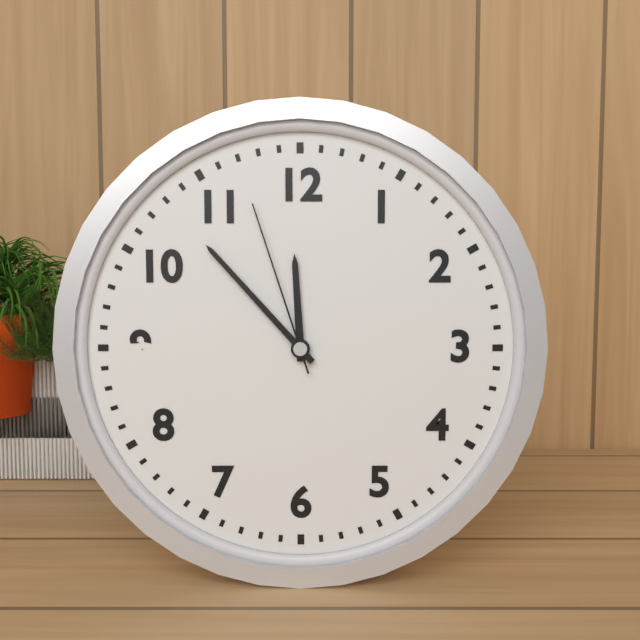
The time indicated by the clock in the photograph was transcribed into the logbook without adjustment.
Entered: 11:53:57
